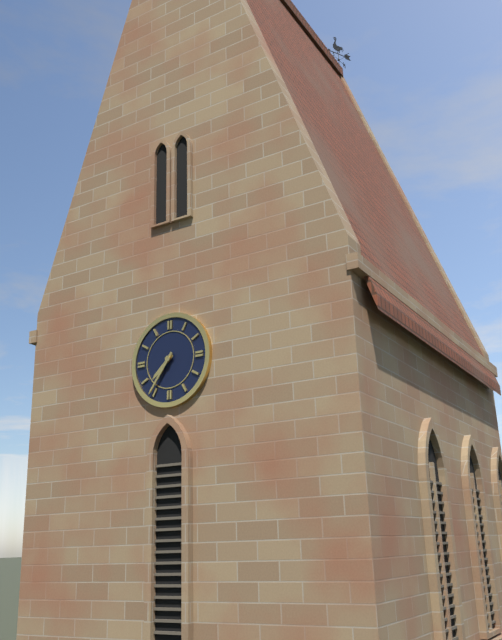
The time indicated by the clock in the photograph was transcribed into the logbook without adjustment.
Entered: 7:36
